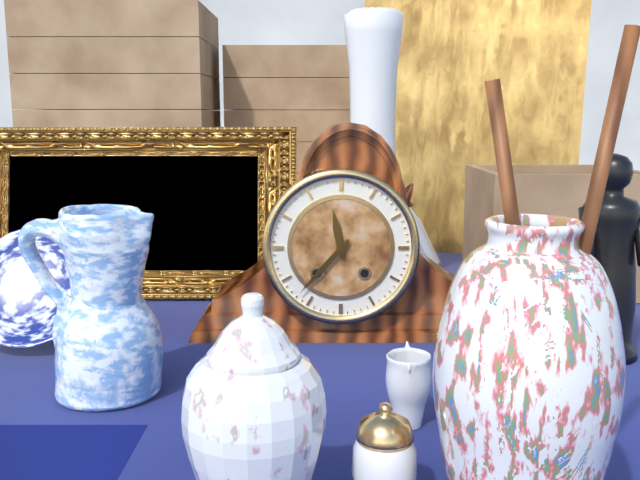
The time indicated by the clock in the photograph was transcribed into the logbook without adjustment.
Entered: 11:37
